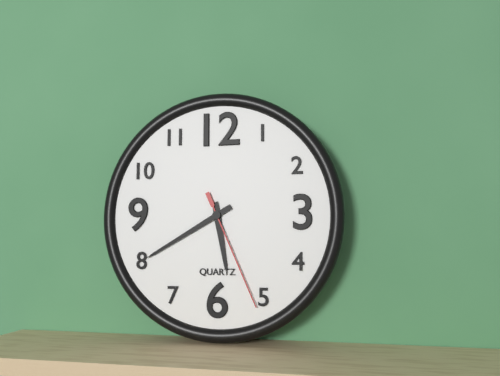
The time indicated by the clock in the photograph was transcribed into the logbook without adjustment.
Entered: 5:40:26
